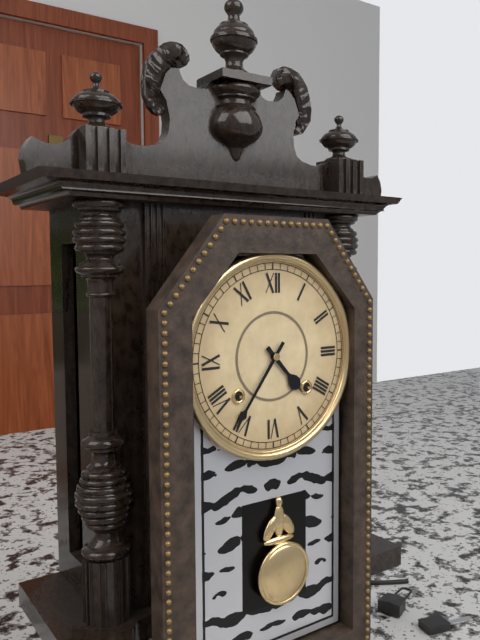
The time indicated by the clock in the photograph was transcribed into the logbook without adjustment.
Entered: 4:36
